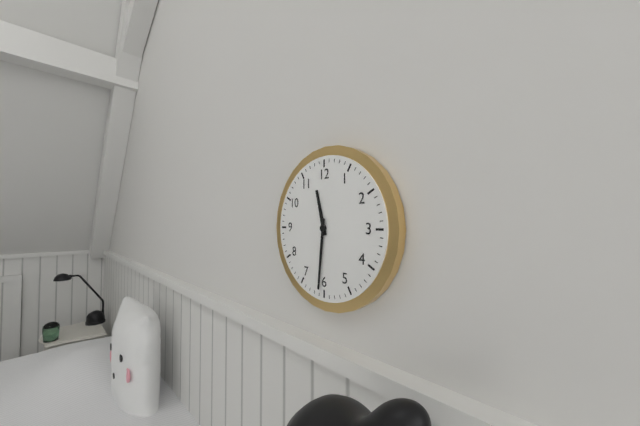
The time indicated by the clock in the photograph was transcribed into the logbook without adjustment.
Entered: 11:31
